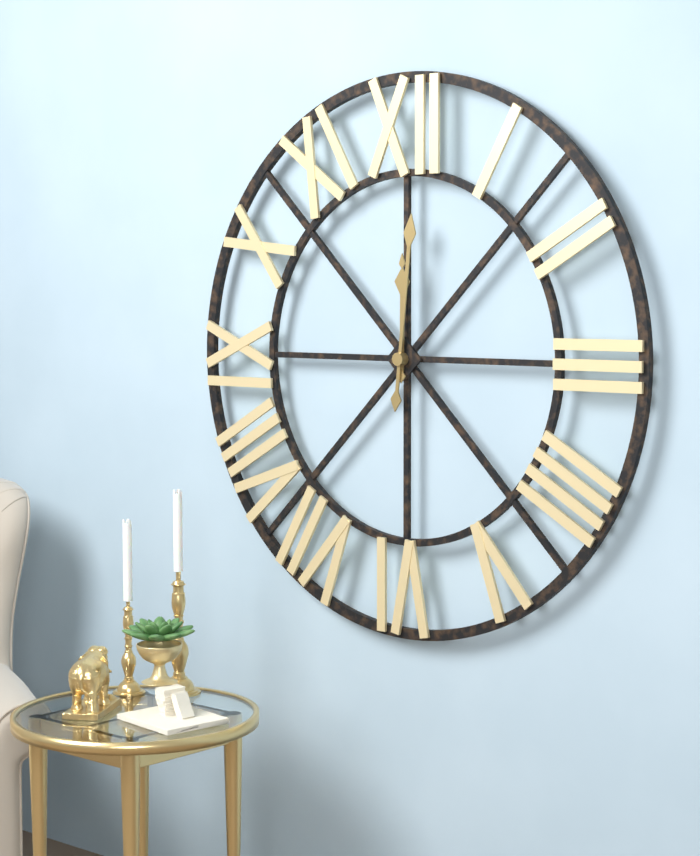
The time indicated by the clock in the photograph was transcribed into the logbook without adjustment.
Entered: 12:01
